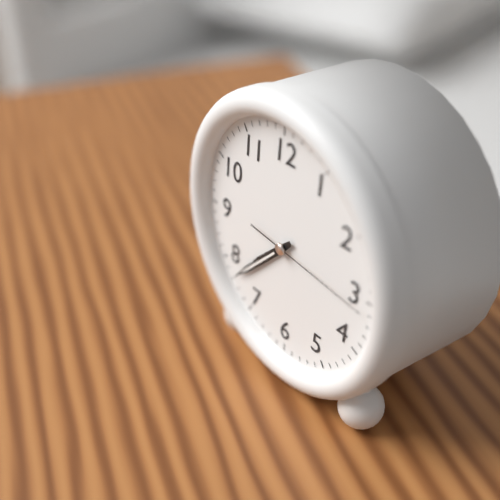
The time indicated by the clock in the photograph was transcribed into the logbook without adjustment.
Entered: 7:38:16
